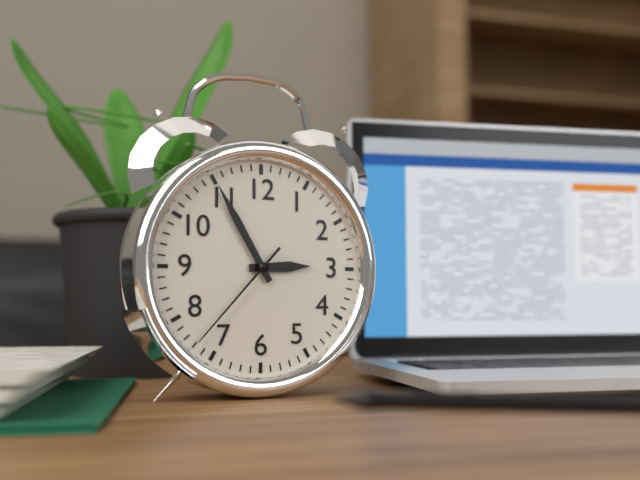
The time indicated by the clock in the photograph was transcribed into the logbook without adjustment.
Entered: 2:55:37
